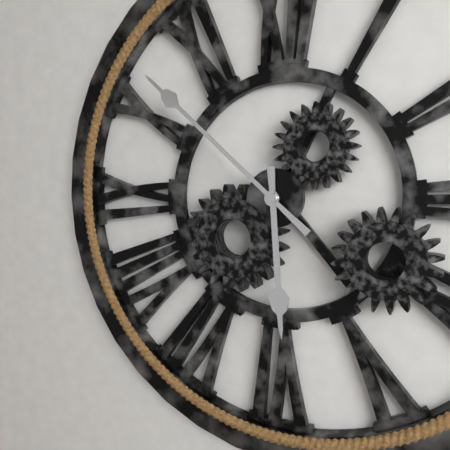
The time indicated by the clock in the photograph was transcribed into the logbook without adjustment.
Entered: 5:52
